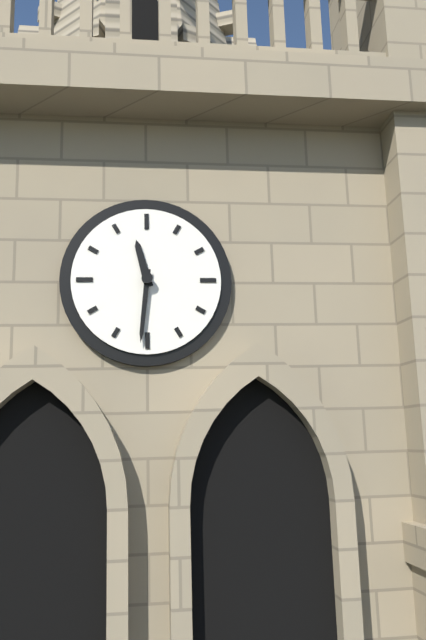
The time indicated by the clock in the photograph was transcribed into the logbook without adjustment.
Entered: 11:31
